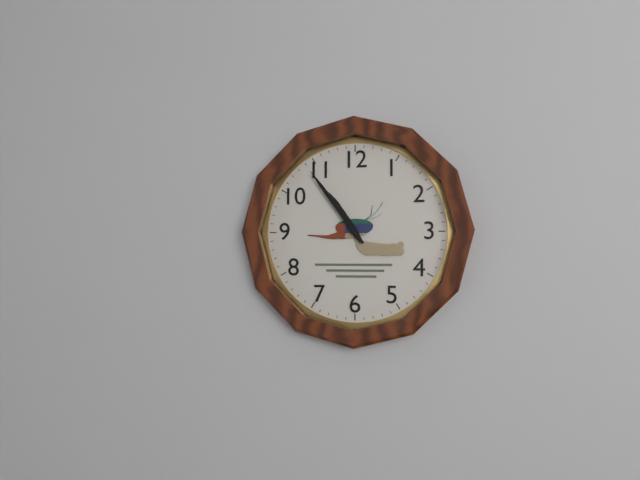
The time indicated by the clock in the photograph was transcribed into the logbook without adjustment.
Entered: 10:54
